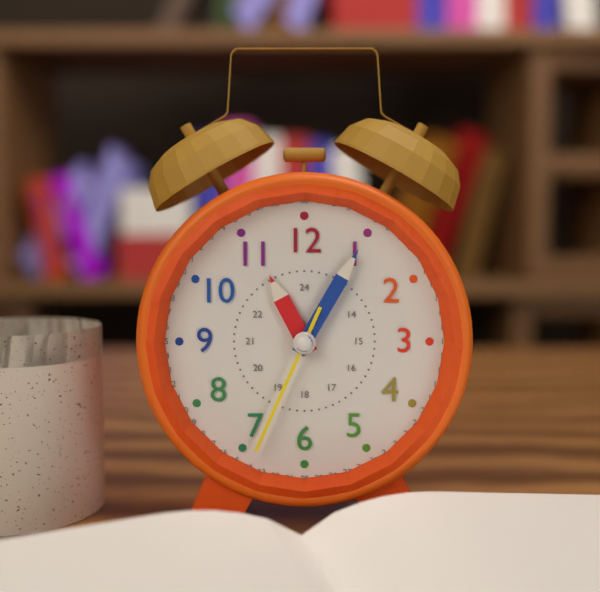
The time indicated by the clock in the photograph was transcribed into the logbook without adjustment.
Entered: 11:05:34
